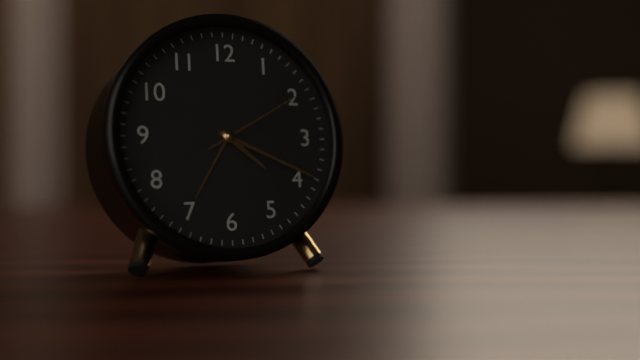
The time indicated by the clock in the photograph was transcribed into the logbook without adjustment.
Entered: 4:19:10
